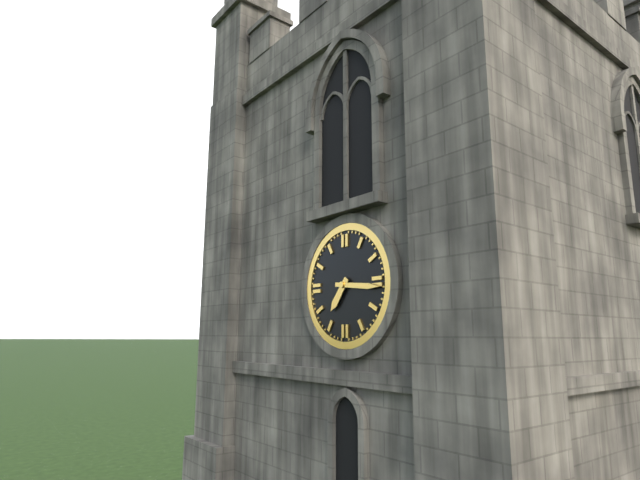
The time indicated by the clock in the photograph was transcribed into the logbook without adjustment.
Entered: 7:16
